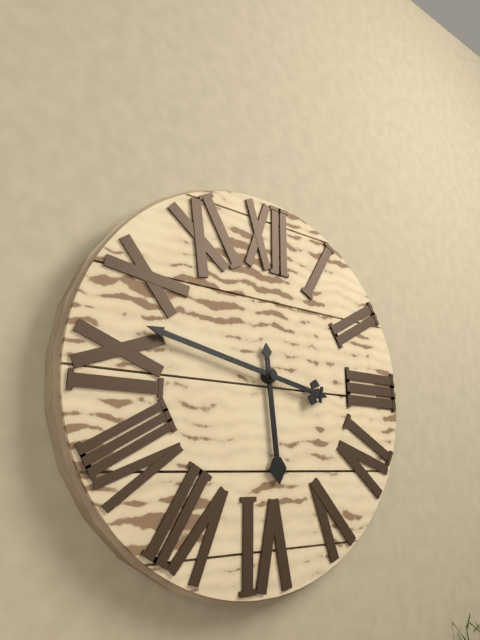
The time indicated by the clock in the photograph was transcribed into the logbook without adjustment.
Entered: 5:47
